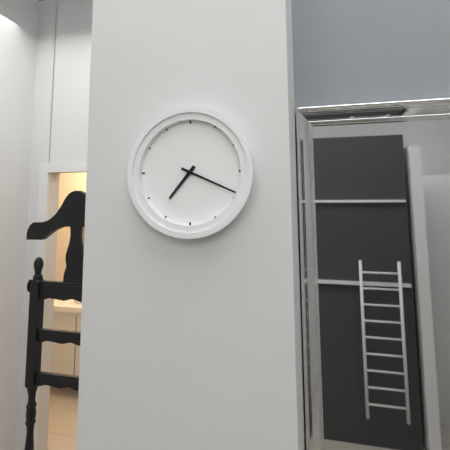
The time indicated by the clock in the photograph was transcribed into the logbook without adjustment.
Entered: 7:19
